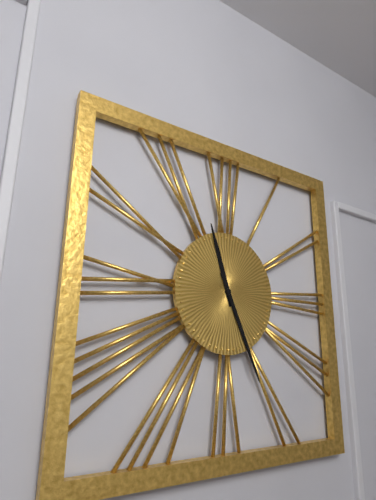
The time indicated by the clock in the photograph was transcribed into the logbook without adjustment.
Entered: 11:26
